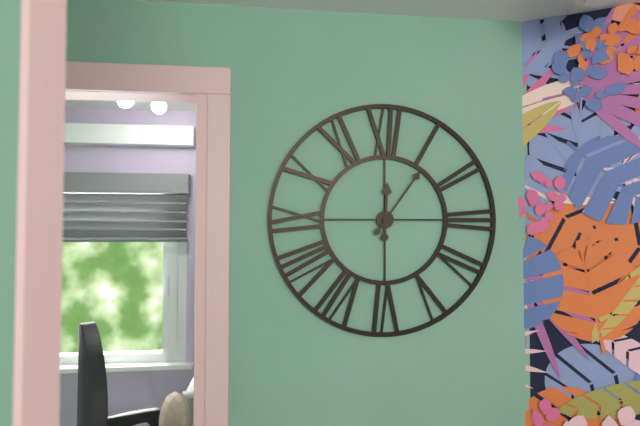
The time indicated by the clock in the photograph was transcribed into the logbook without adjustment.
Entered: 12:06
